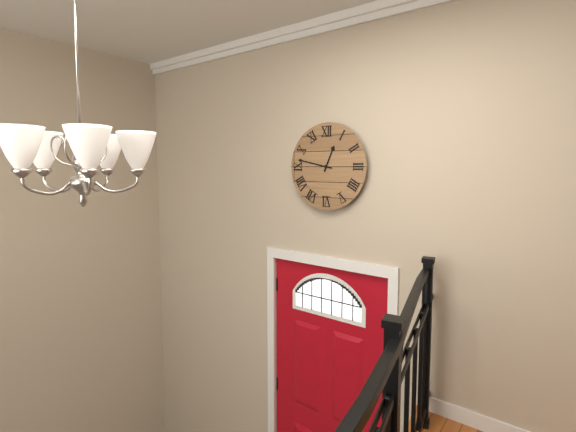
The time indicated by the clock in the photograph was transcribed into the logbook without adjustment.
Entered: 12:47
